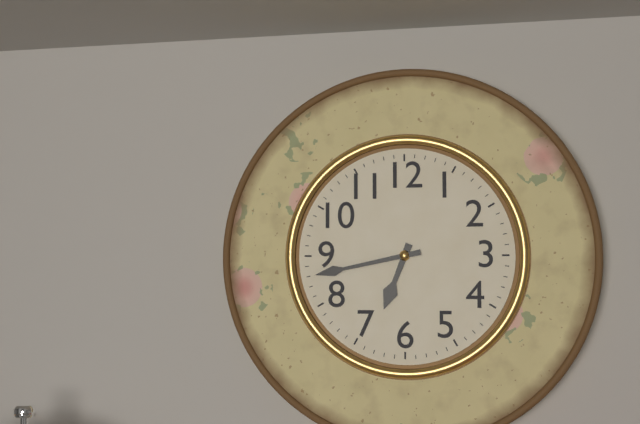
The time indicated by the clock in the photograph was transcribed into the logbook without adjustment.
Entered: 6:43
